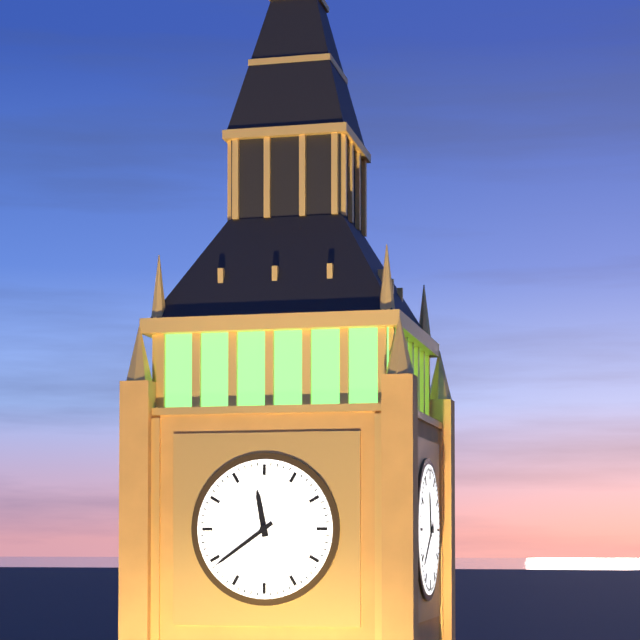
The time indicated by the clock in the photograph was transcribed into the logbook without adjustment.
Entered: 11:39
